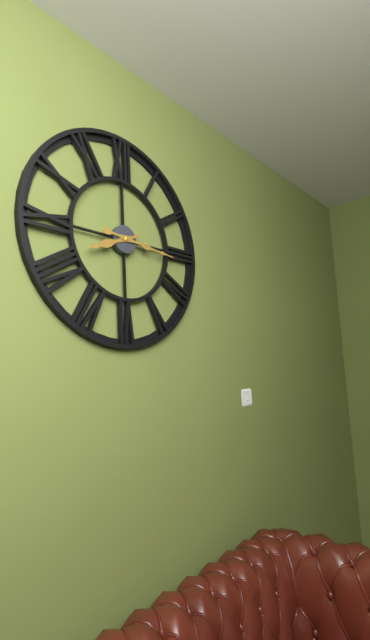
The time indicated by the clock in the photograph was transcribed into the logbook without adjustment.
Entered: 8:16
